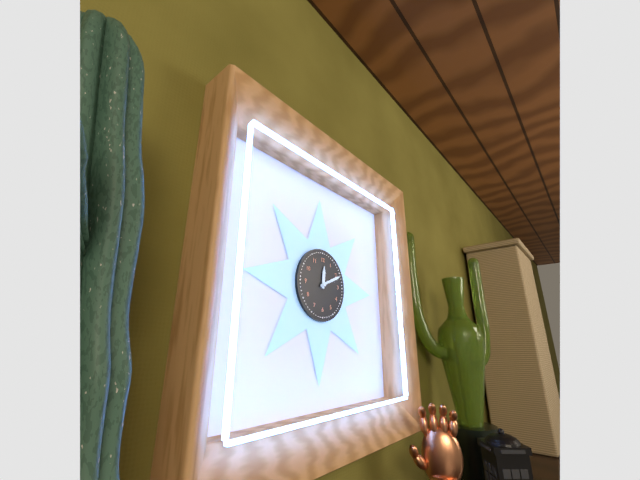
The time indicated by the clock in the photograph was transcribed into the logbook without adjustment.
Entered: 12:11
